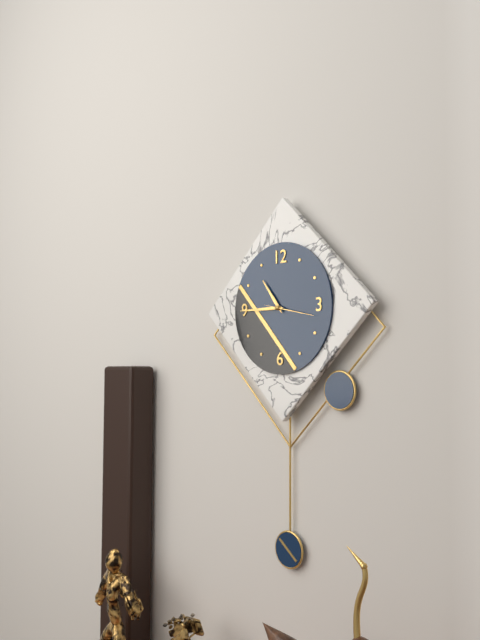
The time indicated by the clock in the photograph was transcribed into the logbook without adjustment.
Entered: 10:45
